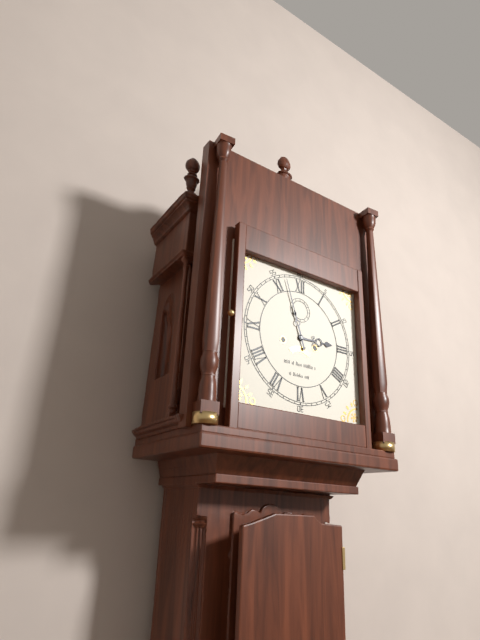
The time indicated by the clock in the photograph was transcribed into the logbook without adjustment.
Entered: 2:57
